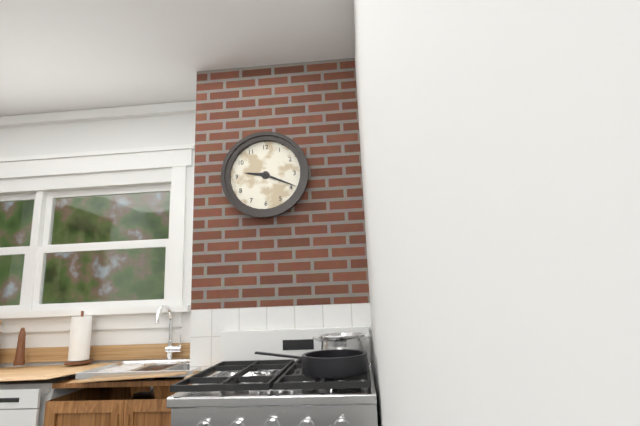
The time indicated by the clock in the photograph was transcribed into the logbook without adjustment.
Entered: 9:19
